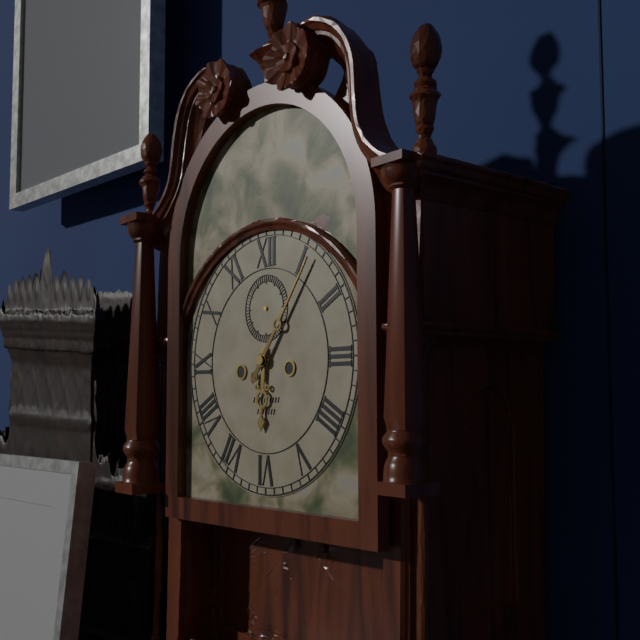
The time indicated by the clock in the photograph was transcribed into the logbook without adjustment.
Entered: 6:06
